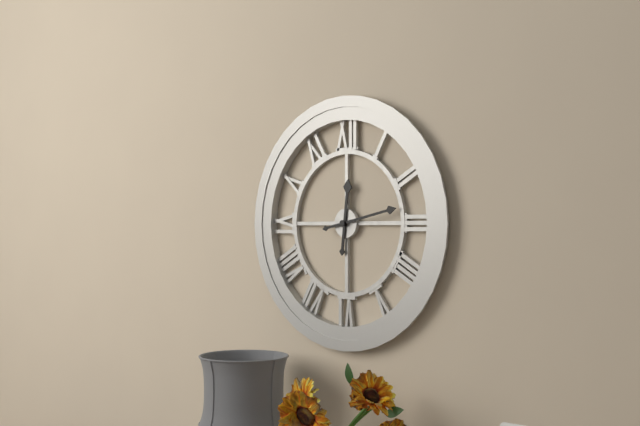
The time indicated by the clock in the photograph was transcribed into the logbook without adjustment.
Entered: 12:13
